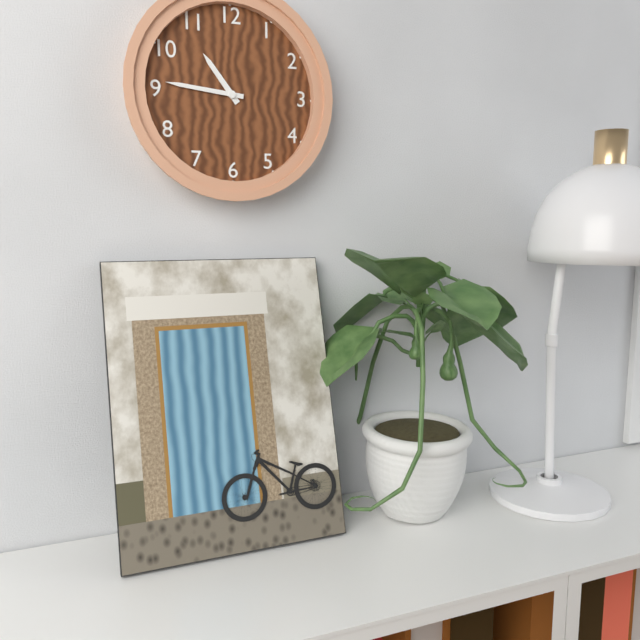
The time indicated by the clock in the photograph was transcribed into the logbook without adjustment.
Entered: 10:46
